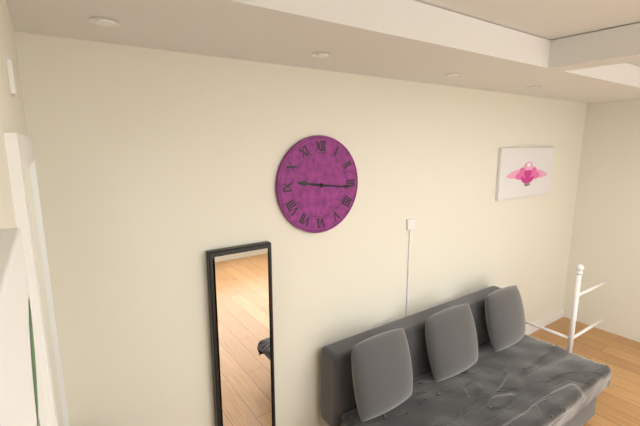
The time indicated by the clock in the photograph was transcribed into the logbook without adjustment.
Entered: 9:16
